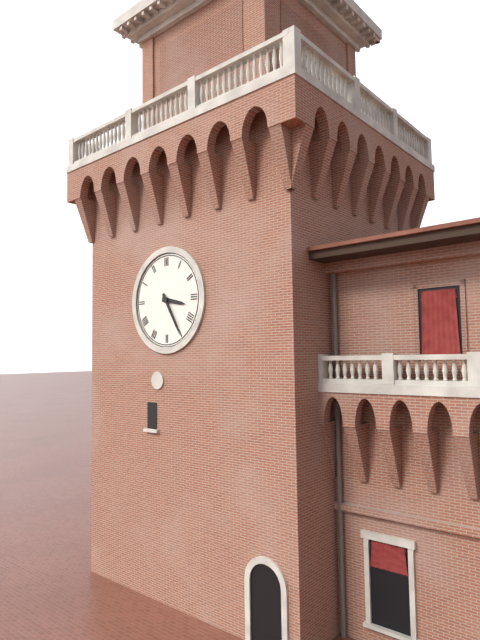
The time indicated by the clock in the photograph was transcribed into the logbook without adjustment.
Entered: 3:25
